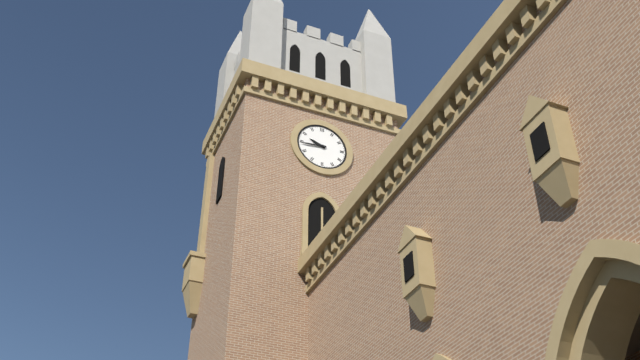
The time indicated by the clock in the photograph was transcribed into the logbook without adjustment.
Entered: 9:44
